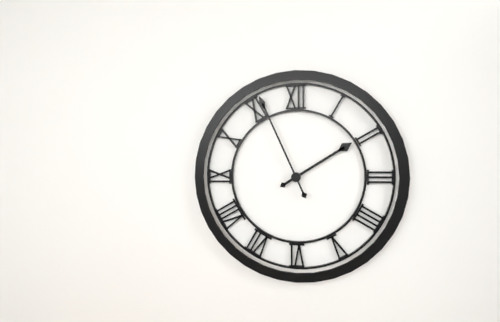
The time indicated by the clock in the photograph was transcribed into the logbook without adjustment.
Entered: 1:56
